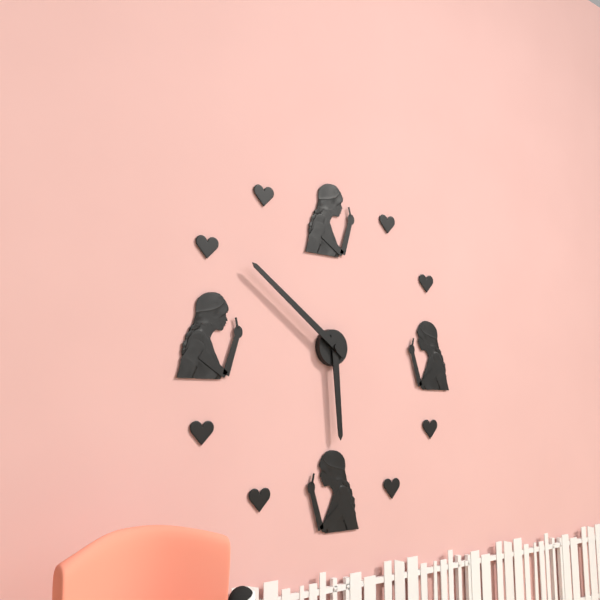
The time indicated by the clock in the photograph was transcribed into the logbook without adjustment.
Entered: 5:51
